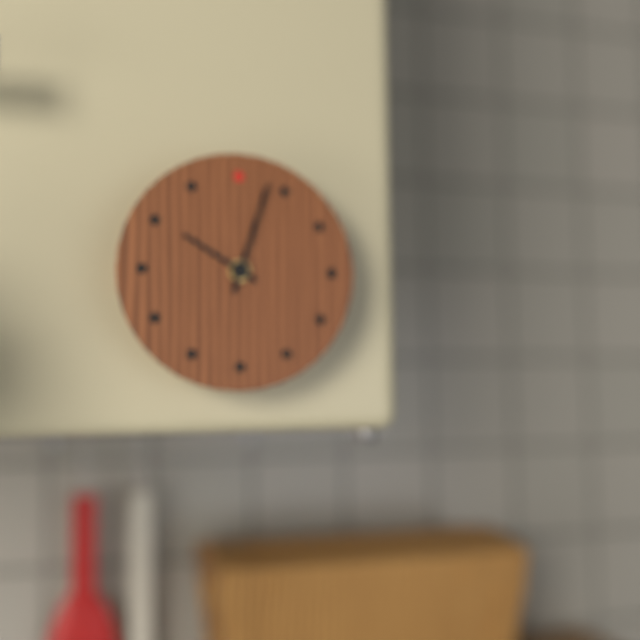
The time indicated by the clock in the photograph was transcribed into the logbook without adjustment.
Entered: 10:03
